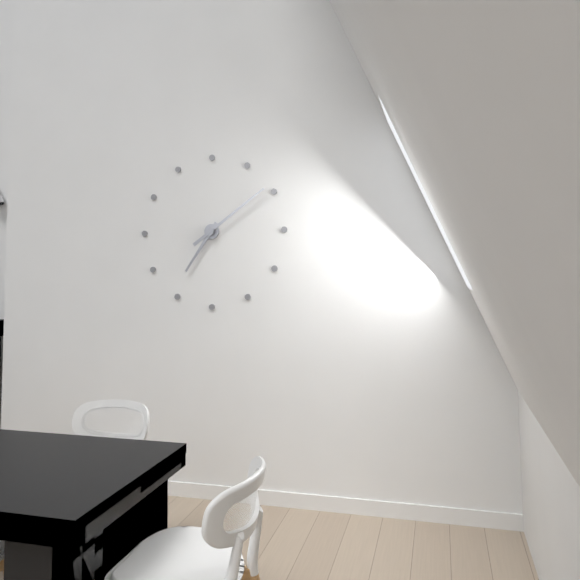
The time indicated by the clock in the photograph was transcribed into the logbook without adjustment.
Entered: 7:09
